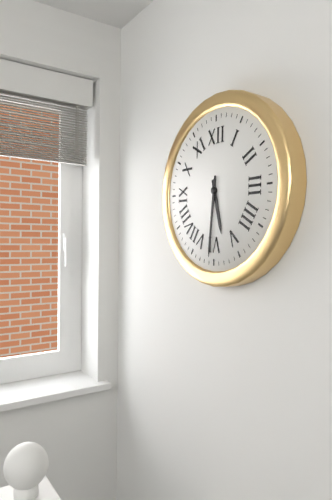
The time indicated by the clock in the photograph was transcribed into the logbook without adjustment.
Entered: 5:31
